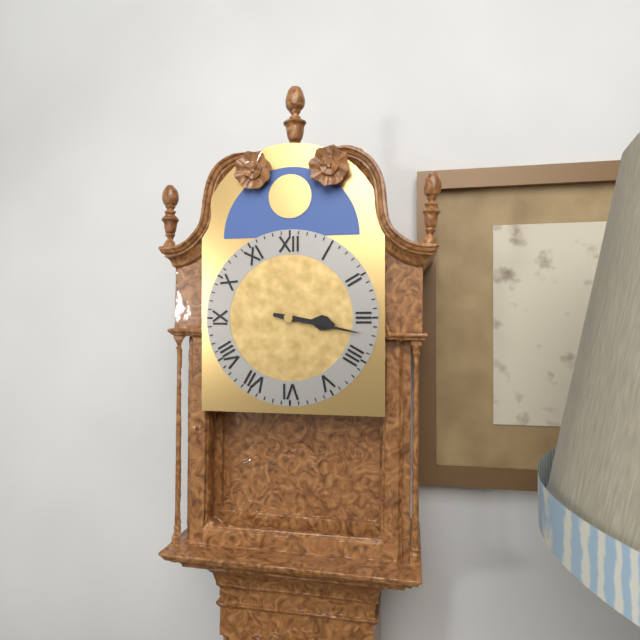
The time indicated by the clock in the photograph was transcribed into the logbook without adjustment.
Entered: 3:17
